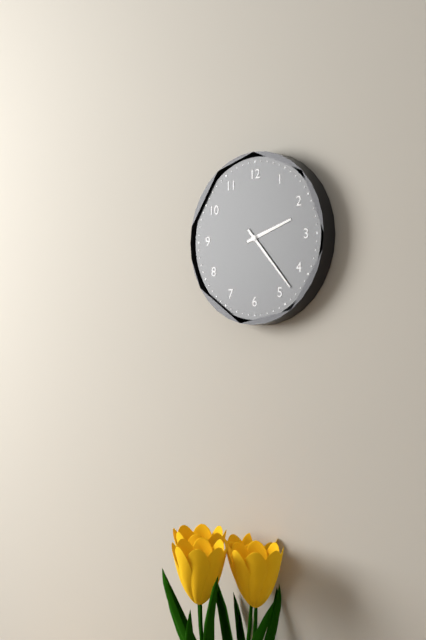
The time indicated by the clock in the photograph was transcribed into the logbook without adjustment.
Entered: 2:23
